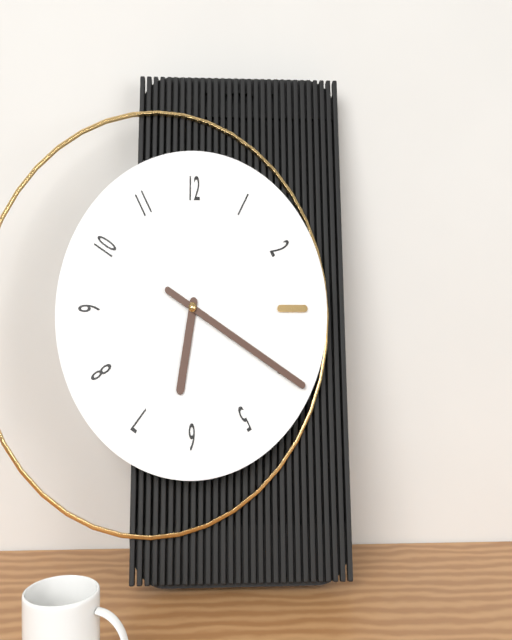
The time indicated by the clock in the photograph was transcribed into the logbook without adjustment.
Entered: 6:20
